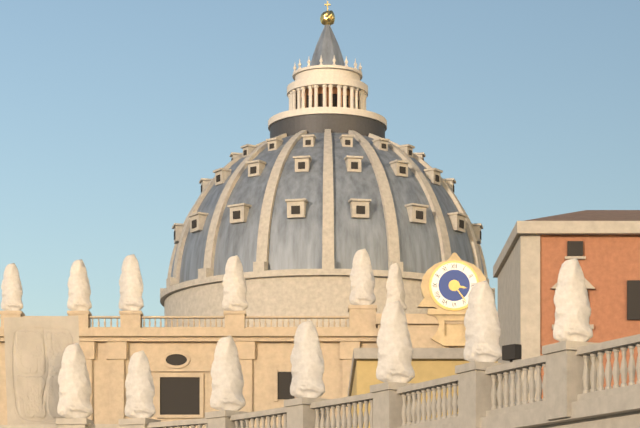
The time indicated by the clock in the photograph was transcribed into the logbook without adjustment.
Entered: 3:24
